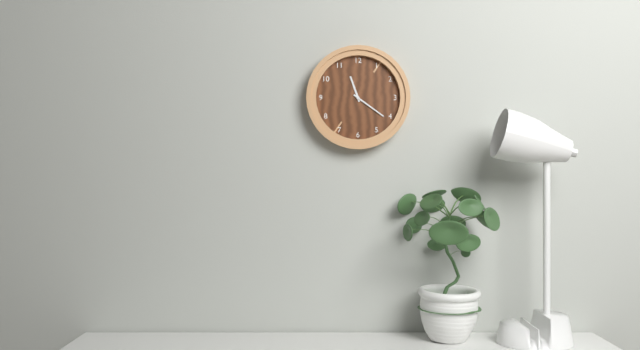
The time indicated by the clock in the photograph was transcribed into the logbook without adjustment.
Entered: 11:21
